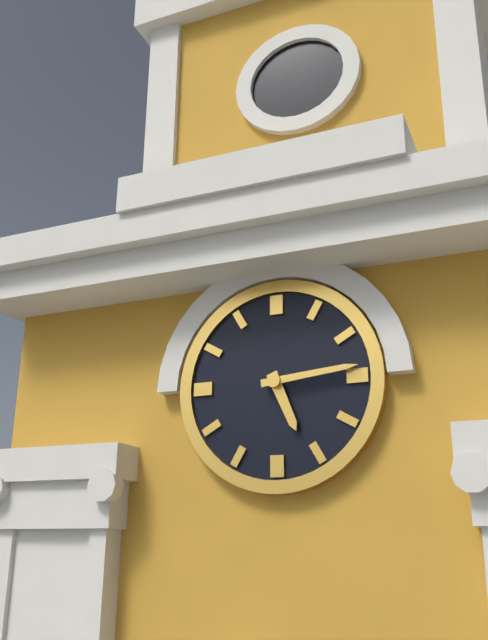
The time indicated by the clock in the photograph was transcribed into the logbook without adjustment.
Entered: 5:14
